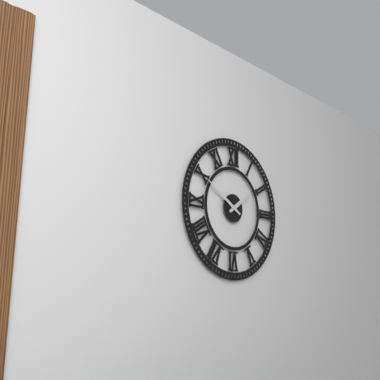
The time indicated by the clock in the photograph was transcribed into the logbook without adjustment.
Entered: 1:50
